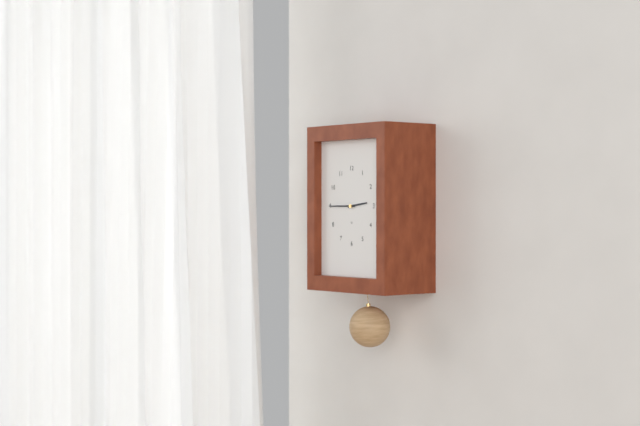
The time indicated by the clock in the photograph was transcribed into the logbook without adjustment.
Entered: 2:45
